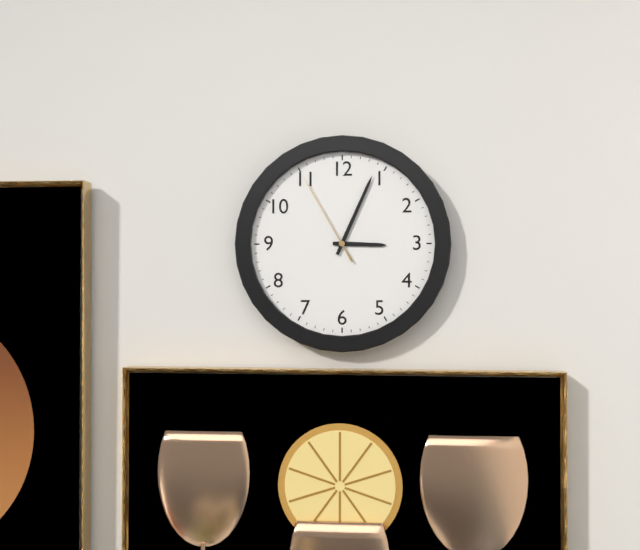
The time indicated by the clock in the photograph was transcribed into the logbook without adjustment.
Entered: 3:04:55
